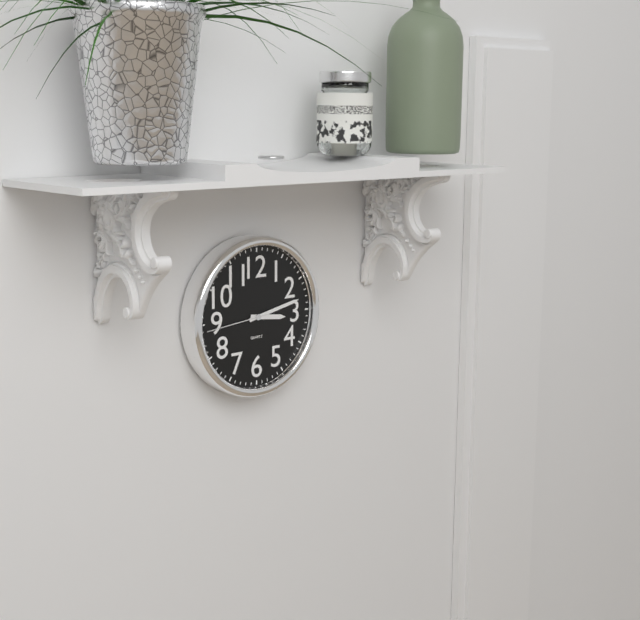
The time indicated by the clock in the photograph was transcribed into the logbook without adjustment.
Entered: 3:13:44
